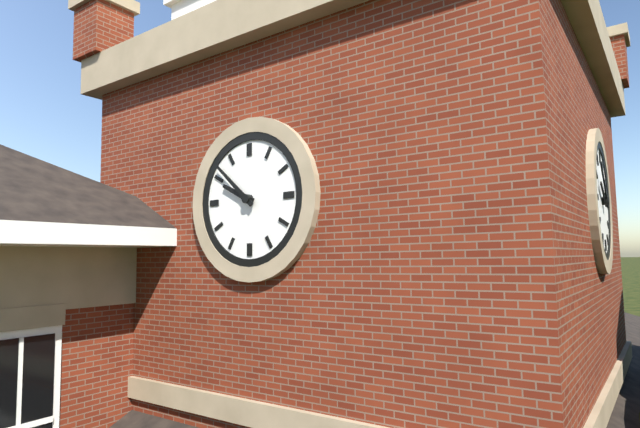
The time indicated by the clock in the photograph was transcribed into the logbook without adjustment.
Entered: 9:52
